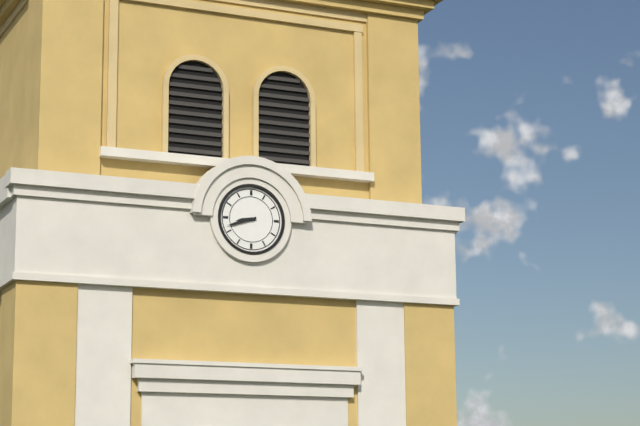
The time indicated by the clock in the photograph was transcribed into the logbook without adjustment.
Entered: 8:42
